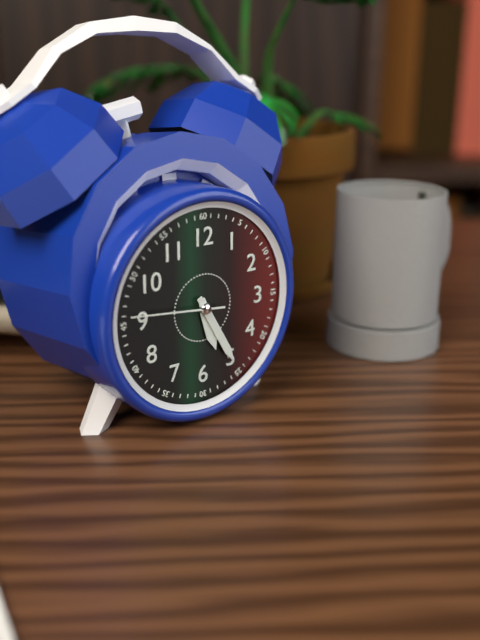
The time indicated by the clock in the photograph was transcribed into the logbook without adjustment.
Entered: 5:25:46
